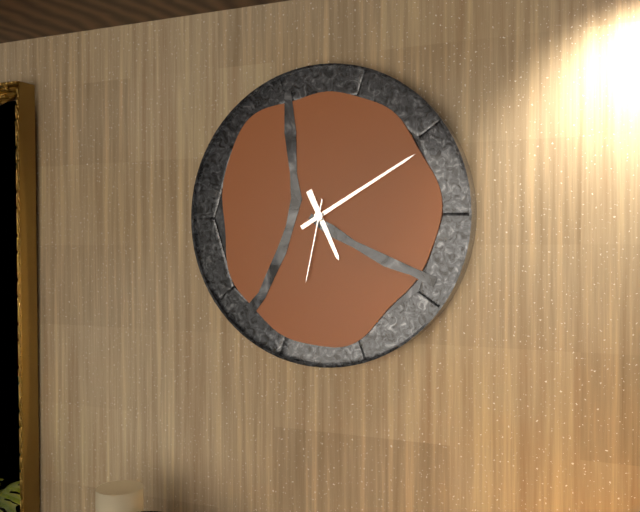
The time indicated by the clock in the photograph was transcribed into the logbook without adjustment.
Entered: 5:10:32
